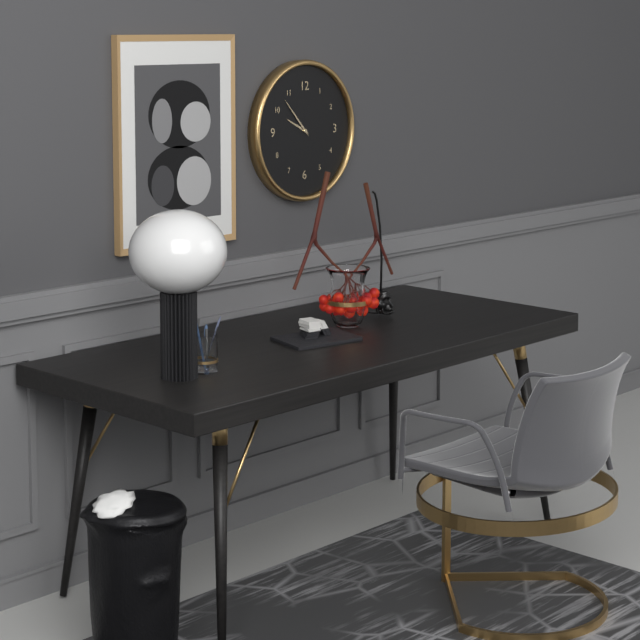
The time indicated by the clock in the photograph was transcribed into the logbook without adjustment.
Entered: 9:53
